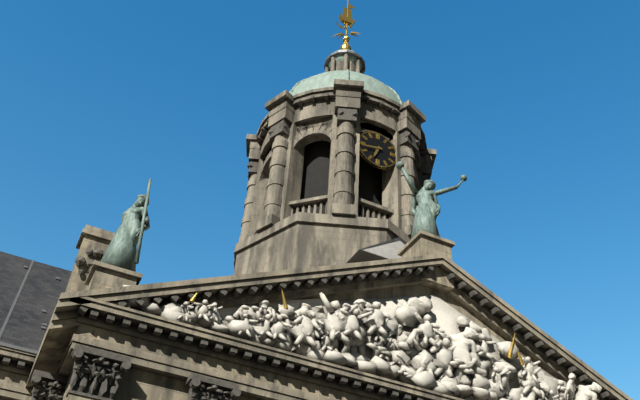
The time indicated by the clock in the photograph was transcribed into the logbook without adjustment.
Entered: 6:43
